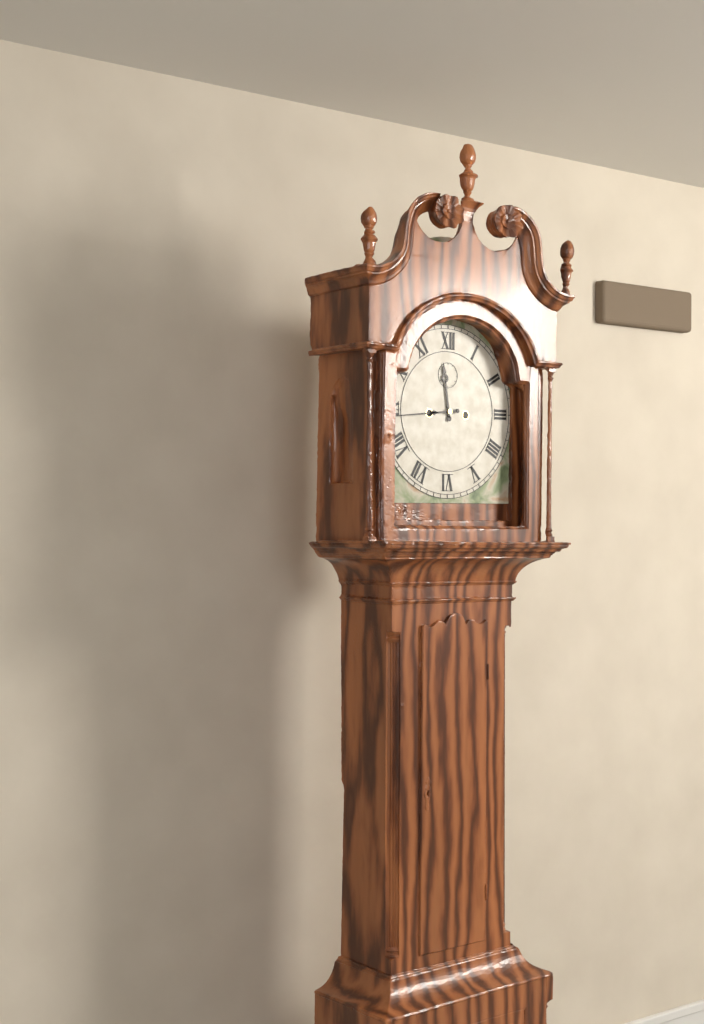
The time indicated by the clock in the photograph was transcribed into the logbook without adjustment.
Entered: 11:44
